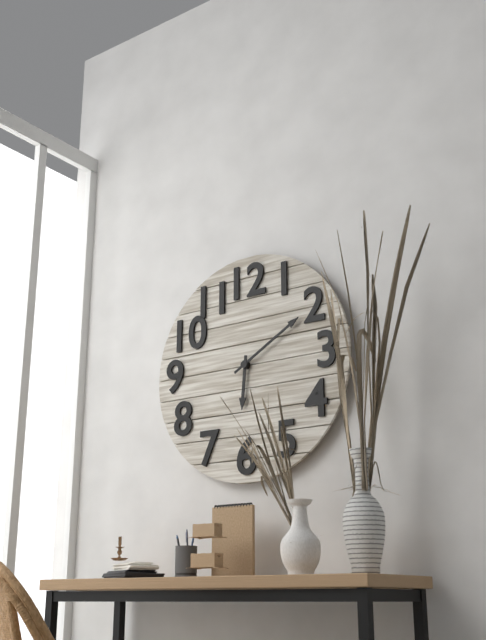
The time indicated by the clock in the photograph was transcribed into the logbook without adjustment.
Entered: 6:10
